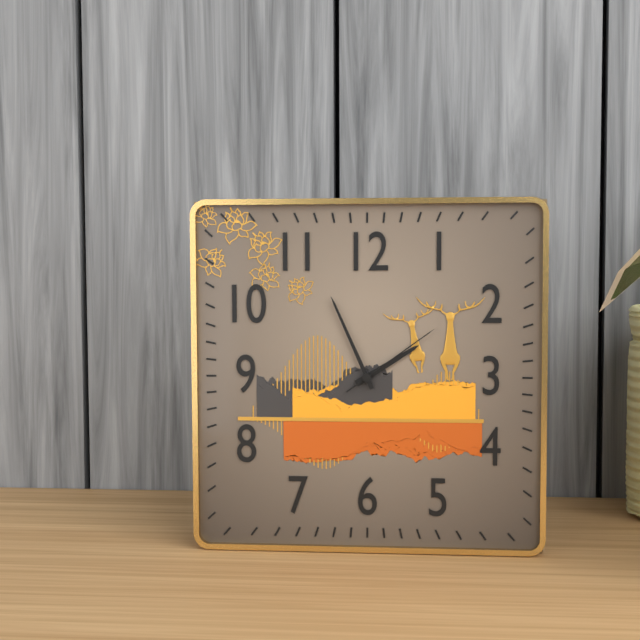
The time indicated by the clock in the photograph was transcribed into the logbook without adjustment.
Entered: 1:56:09
